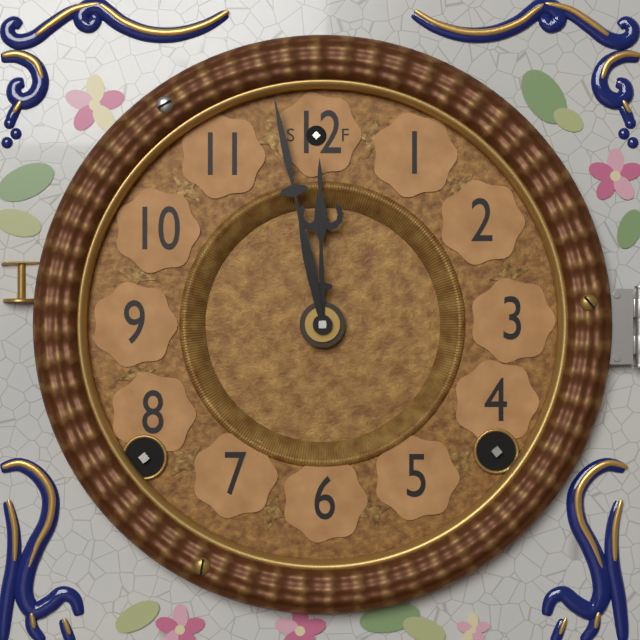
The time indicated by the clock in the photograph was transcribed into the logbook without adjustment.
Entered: 11:58
